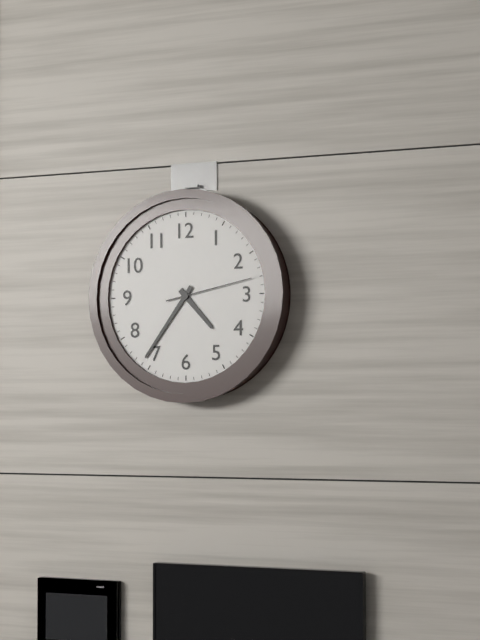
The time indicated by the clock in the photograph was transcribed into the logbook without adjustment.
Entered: 4:36:13
